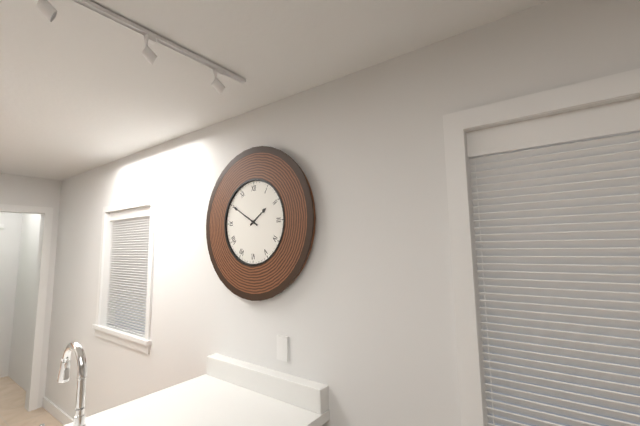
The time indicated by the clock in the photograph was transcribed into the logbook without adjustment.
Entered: 1:50
